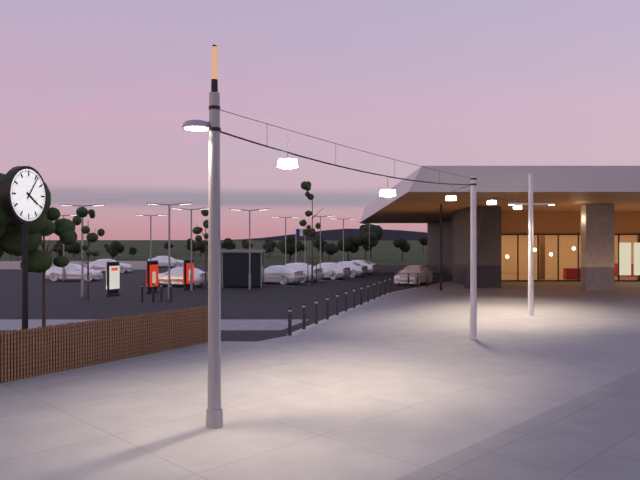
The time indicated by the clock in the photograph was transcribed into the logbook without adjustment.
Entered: 4:06
